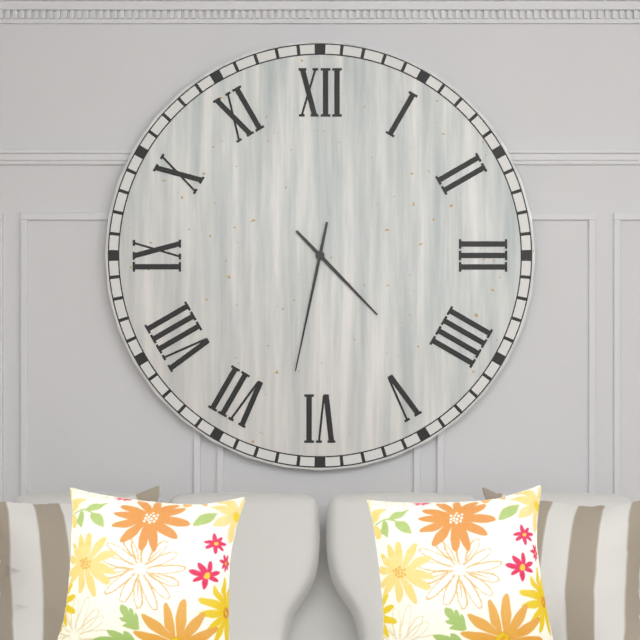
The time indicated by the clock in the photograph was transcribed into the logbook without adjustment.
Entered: 4:32
